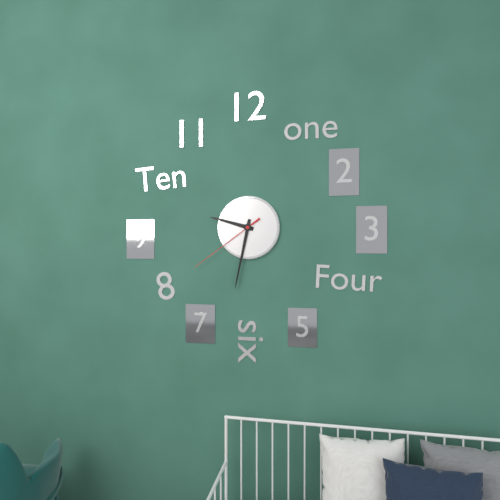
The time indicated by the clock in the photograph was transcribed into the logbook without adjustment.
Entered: 9:32:39
